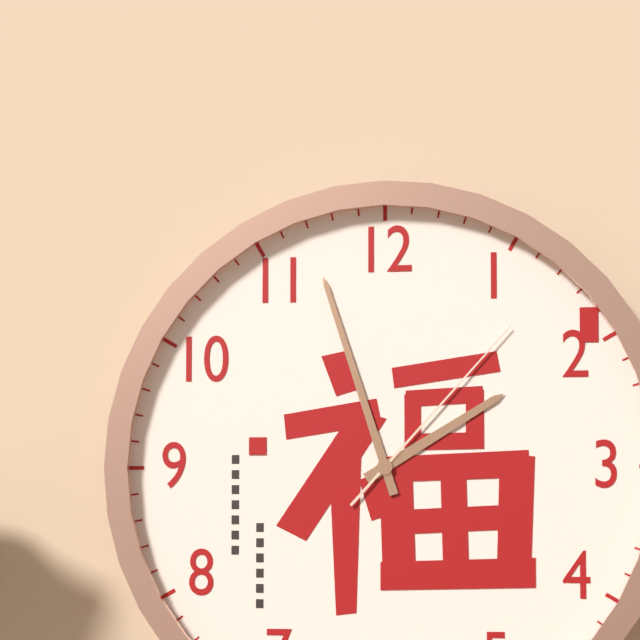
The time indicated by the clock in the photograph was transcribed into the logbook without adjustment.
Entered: 1:57:07
